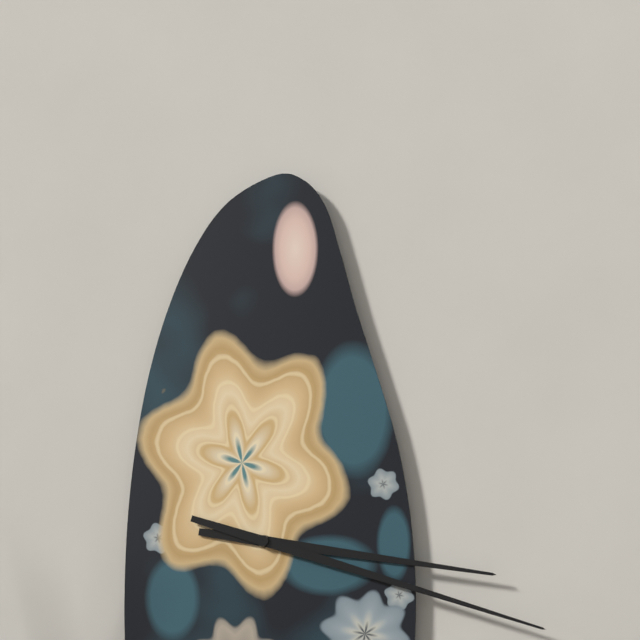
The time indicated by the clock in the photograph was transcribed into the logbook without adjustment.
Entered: 3:18
